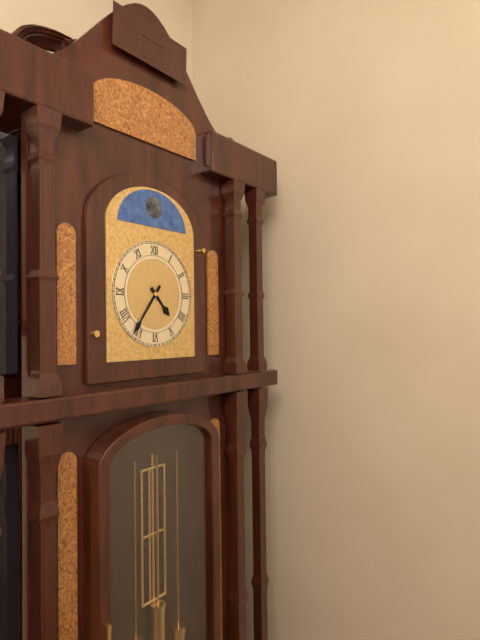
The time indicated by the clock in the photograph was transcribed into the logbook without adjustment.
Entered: 4:36
